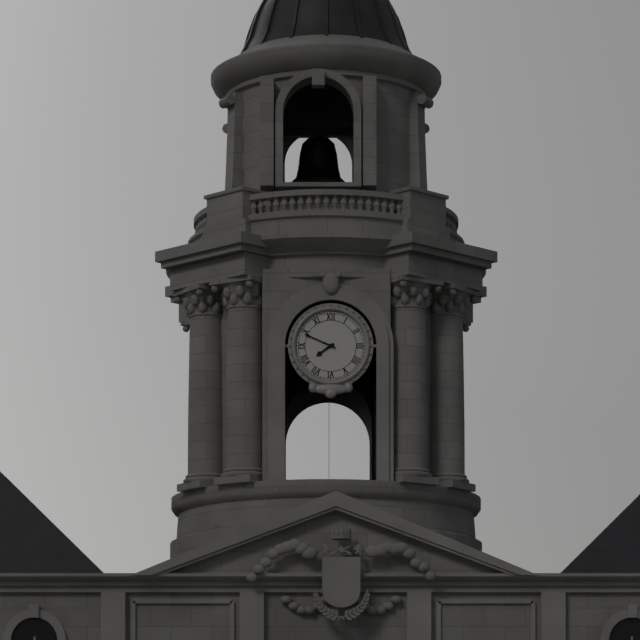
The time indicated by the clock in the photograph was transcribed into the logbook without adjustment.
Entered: 7:49
